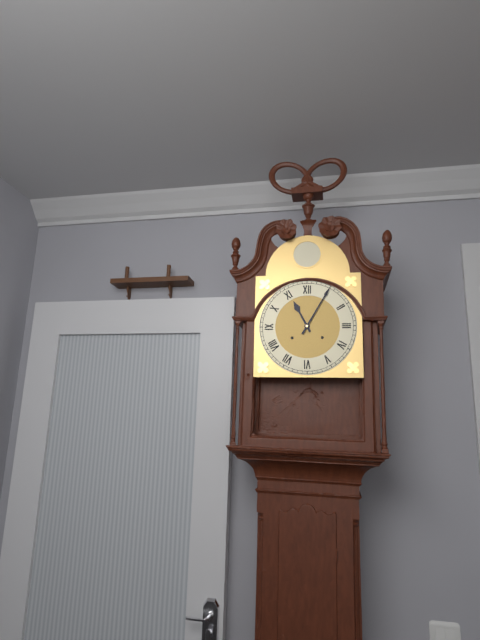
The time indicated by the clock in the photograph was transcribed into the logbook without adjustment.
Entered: 11:05
